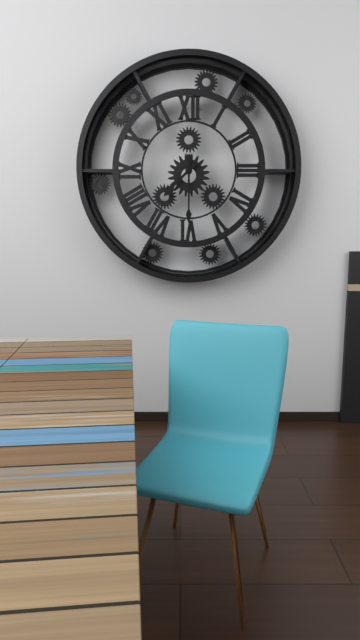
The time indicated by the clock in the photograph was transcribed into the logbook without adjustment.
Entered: 7:30
